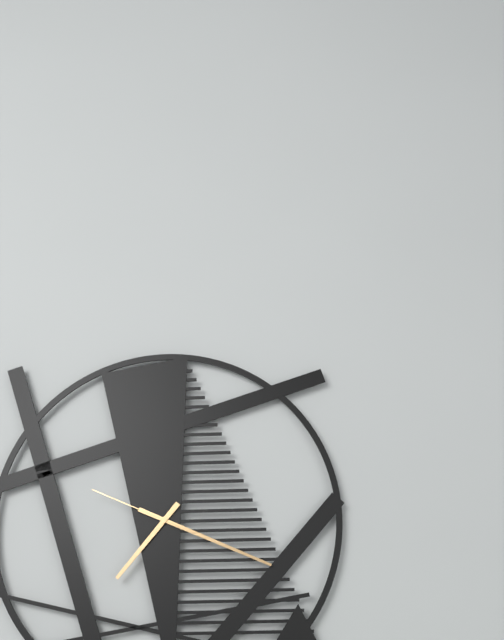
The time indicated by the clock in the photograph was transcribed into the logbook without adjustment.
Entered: 7:19:49
